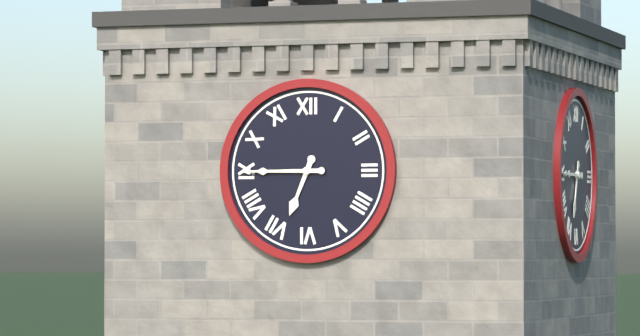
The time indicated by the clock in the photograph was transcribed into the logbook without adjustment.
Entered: 6:45
